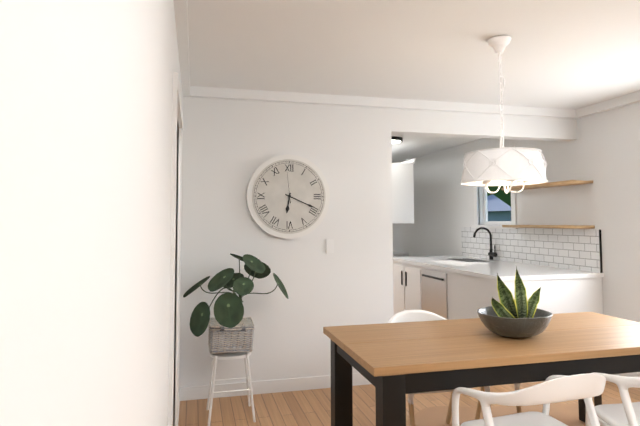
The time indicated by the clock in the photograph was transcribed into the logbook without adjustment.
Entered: 6:19
